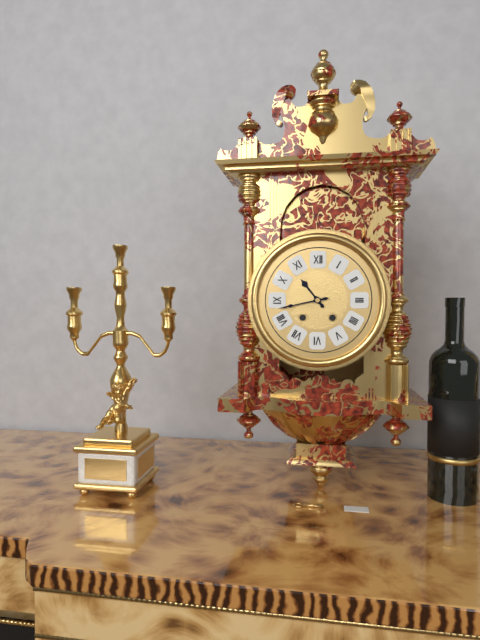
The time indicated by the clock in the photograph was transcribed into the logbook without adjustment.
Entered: 10:43
